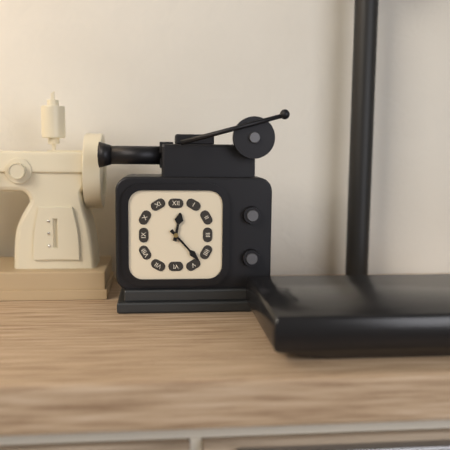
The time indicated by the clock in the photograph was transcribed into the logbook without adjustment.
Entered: 12:23
